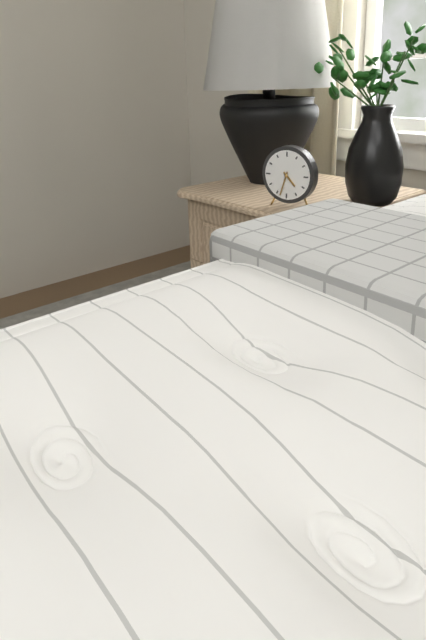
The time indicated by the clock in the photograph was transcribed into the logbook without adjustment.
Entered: 4:33
